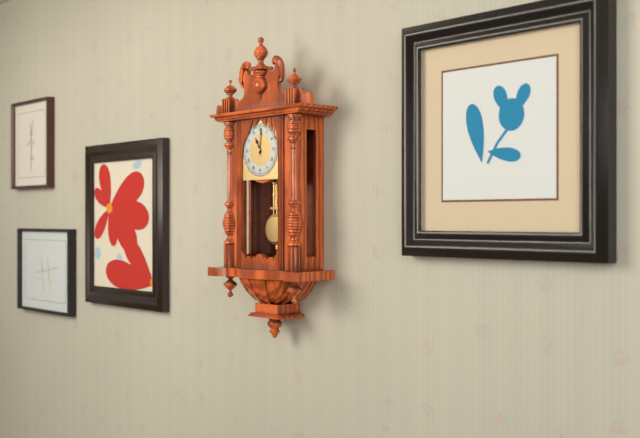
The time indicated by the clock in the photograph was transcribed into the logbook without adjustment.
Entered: 11:01
